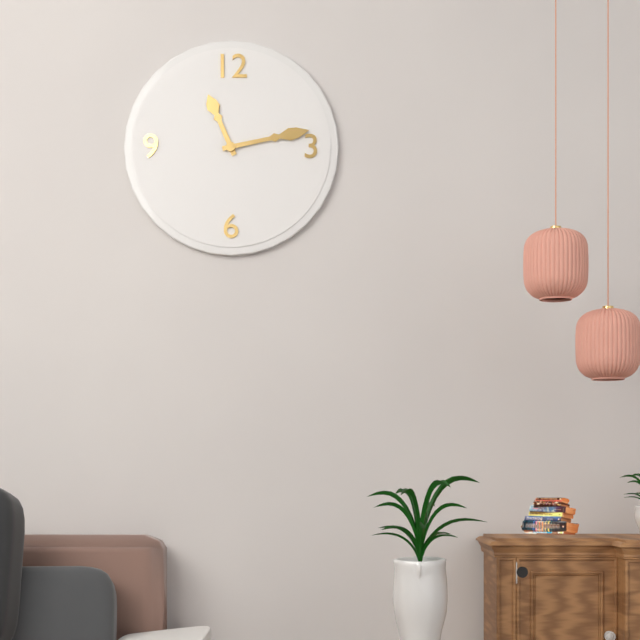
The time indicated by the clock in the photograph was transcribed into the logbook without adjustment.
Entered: 11:13
